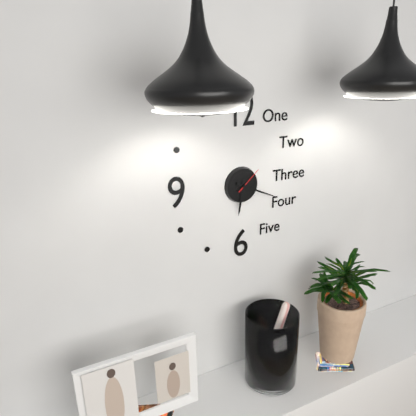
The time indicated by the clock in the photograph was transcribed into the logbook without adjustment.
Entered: 6:19
